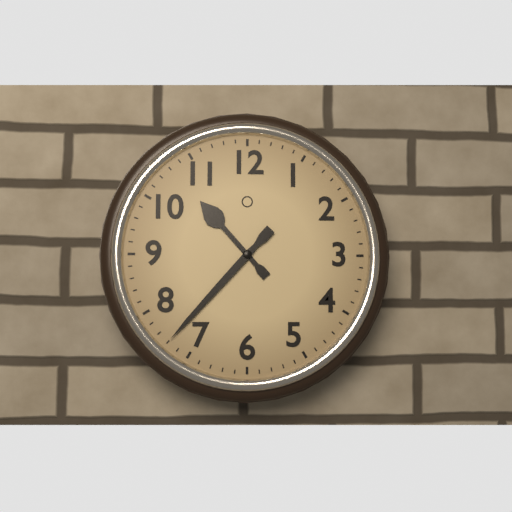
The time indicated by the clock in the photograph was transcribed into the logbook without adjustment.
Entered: 10:37
